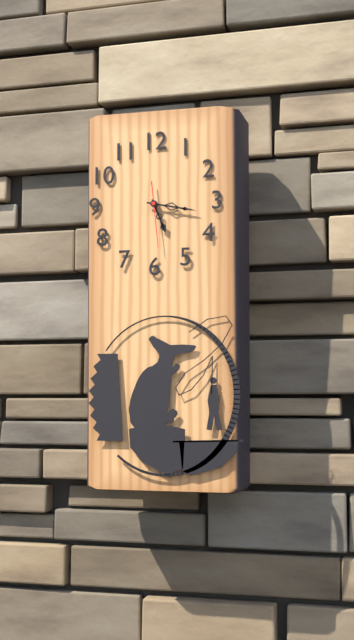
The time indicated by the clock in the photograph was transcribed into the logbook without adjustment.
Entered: 5:17:29
